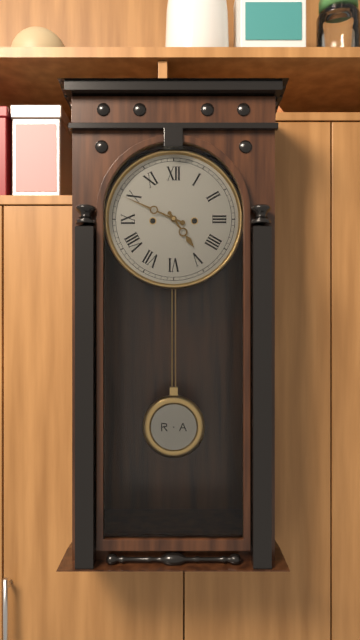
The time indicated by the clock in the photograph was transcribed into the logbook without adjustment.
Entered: 4:49
